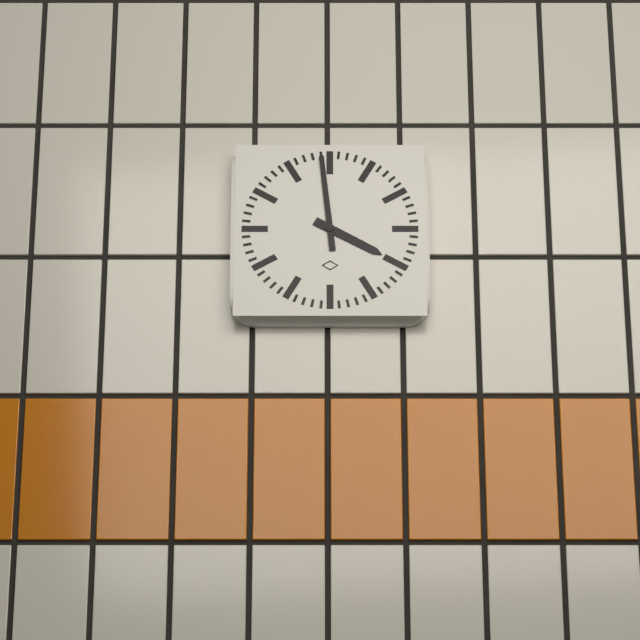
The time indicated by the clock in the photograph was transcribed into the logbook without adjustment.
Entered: 3:59
